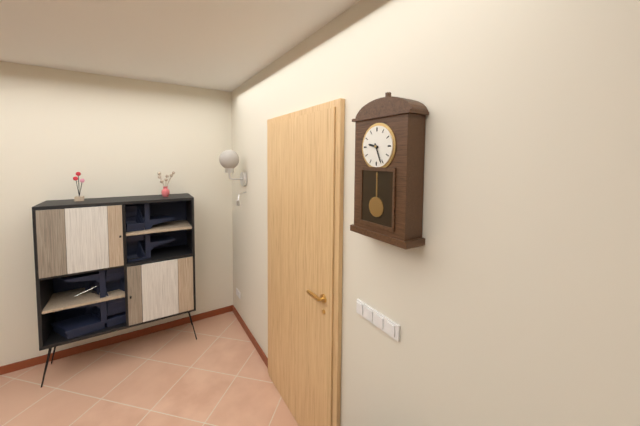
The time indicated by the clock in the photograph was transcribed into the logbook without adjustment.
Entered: 9:26
